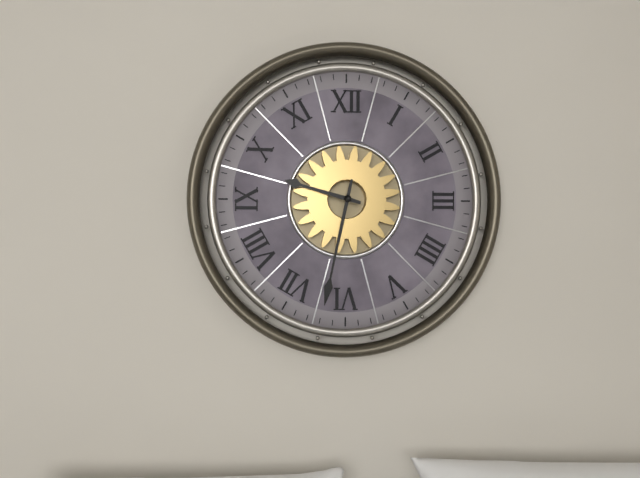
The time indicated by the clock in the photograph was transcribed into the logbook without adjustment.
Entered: 9:32
